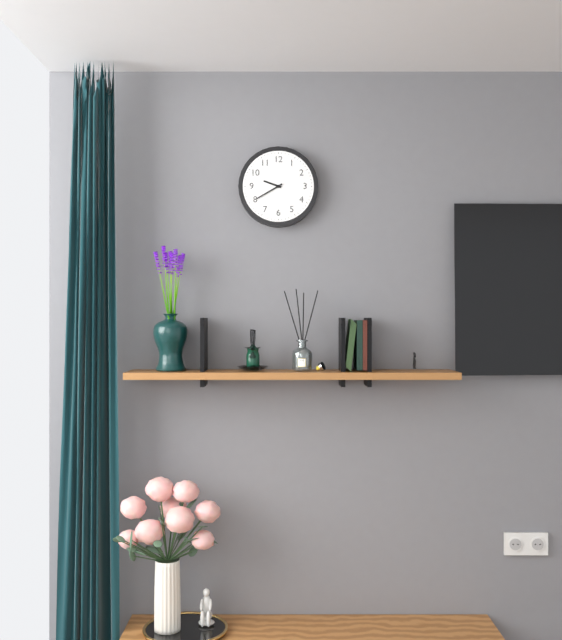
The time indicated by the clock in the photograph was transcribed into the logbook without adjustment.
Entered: 9:40
